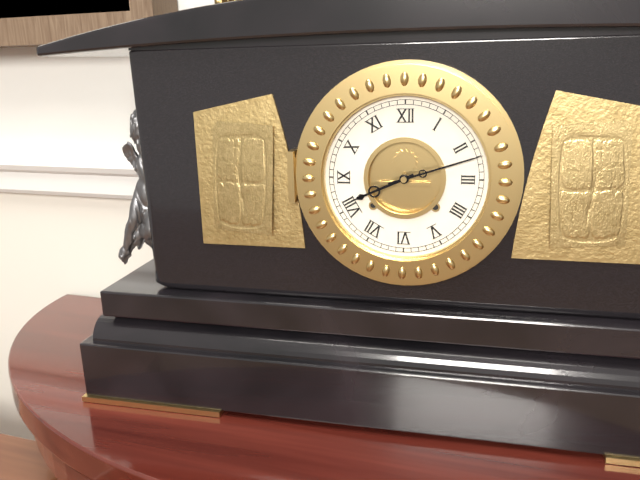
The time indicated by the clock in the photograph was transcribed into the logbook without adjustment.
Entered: 8:12
